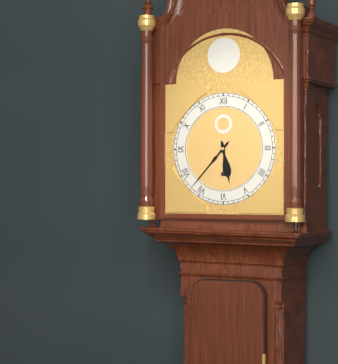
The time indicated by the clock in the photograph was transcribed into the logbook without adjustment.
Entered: 5:37
